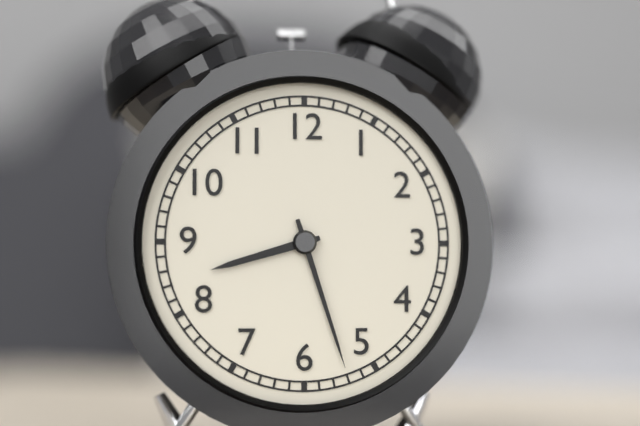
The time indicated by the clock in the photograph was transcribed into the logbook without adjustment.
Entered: 8:27
